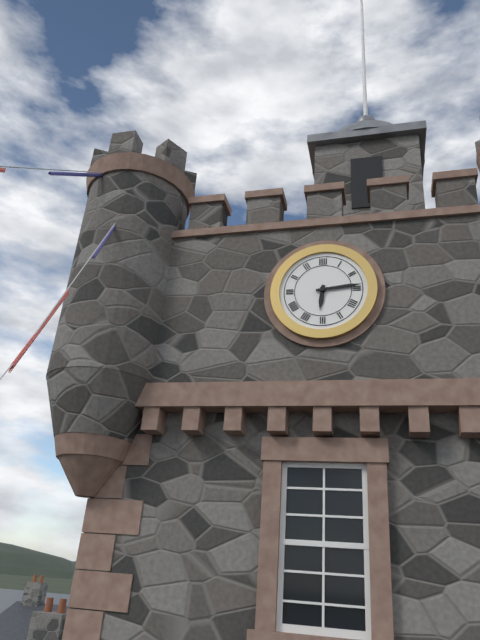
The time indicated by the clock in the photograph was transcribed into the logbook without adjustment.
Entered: 6:14
